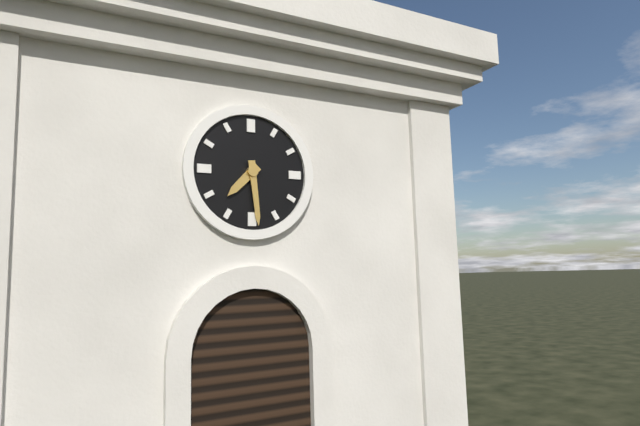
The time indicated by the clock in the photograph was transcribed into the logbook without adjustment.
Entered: 7:29
